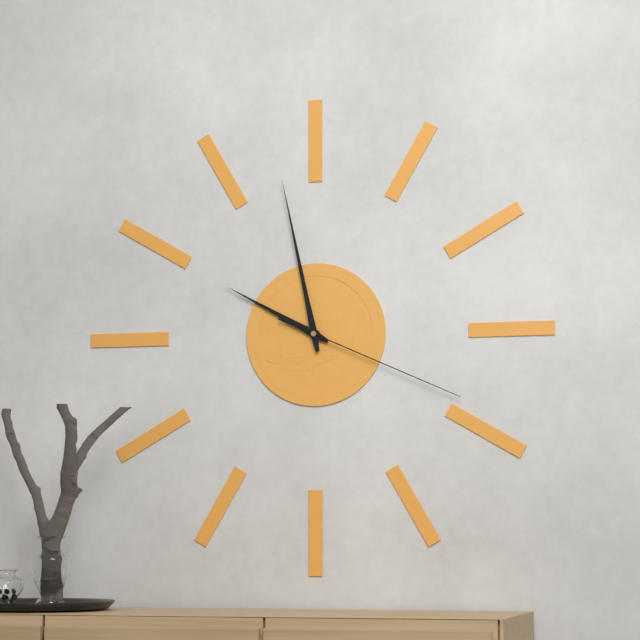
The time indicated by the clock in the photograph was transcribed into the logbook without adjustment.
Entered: 9:58:19
